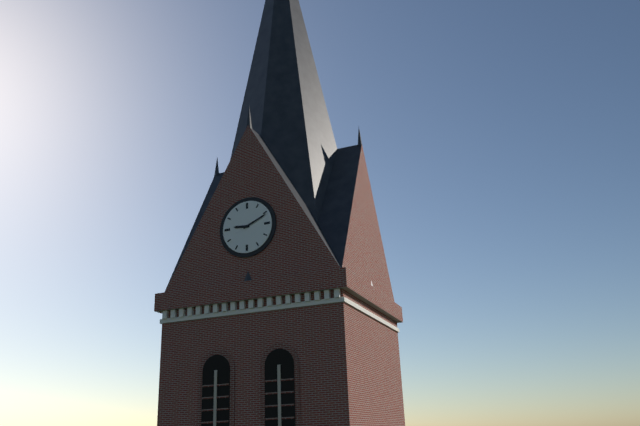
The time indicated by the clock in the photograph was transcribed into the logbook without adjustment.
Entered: 9:11
